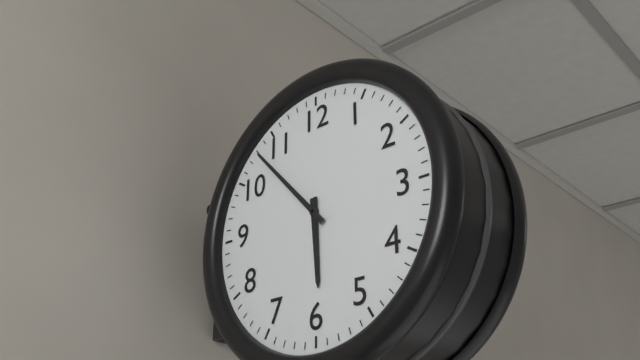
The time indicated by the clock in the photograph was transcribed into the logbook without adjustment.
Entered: 5:53
